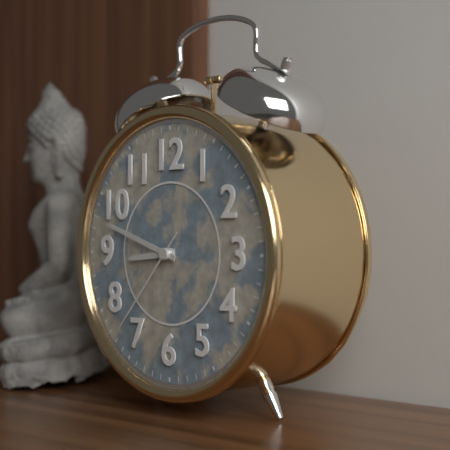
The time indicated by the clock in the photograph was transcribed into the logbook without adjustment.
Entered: 8:48:37
